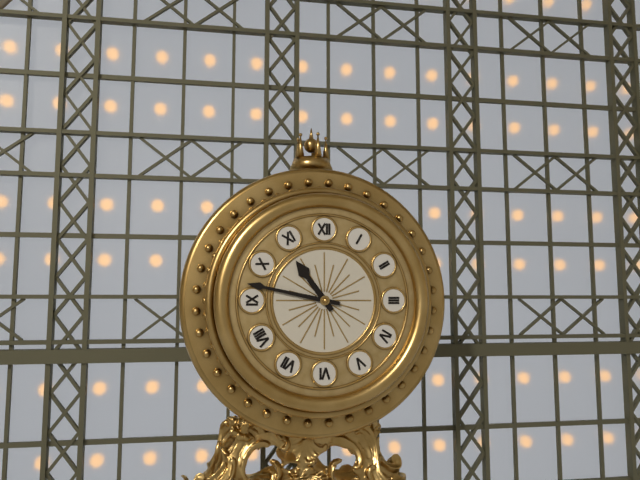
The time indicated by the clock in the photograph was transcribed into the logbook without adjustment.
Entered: 10:47
